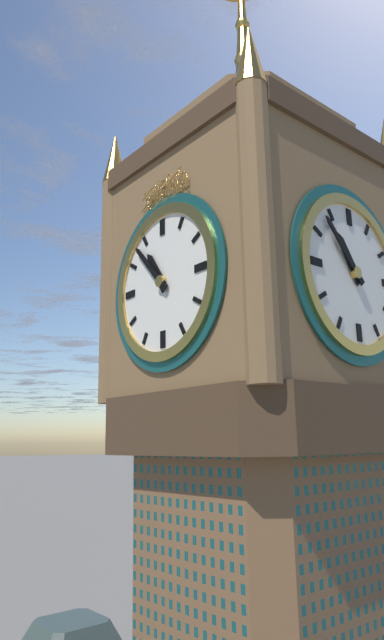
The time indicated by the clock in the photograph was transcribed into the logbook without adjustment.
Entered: 10:53
